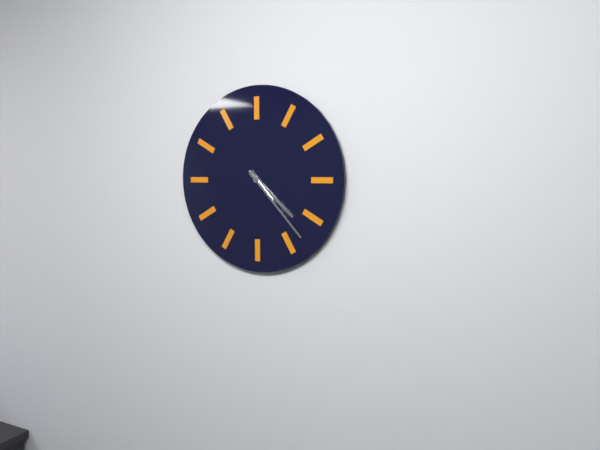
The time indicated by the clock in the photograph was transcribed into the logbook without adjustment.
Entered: 4:23
